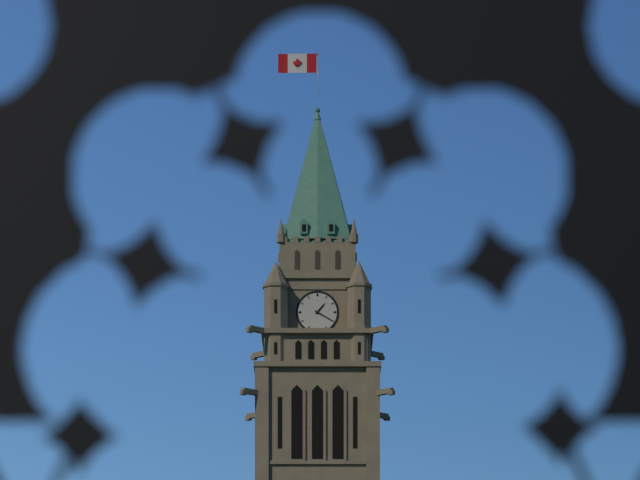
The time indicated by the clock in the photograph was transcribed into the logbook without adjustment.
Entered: 1:20
